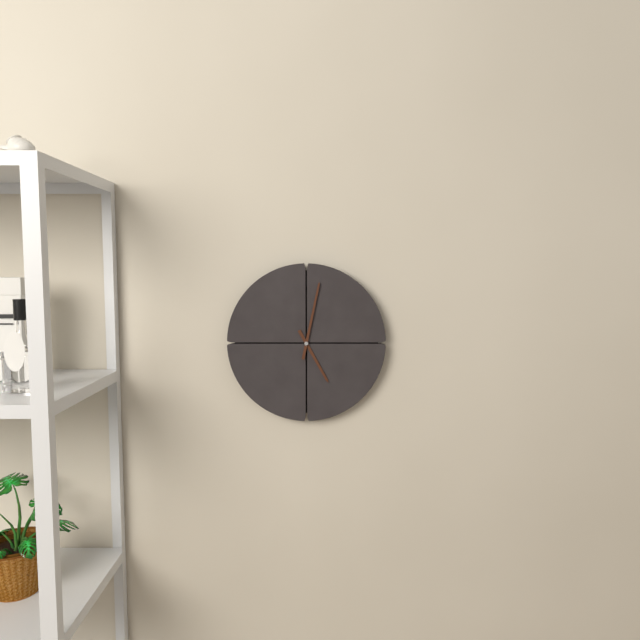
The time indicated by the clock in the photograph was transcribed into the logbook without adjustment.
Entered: 5:02
